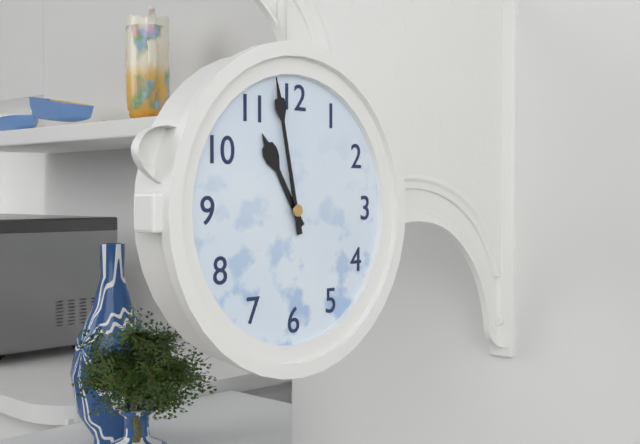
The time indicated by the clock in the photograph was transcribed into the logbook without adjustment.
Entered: 10:58
